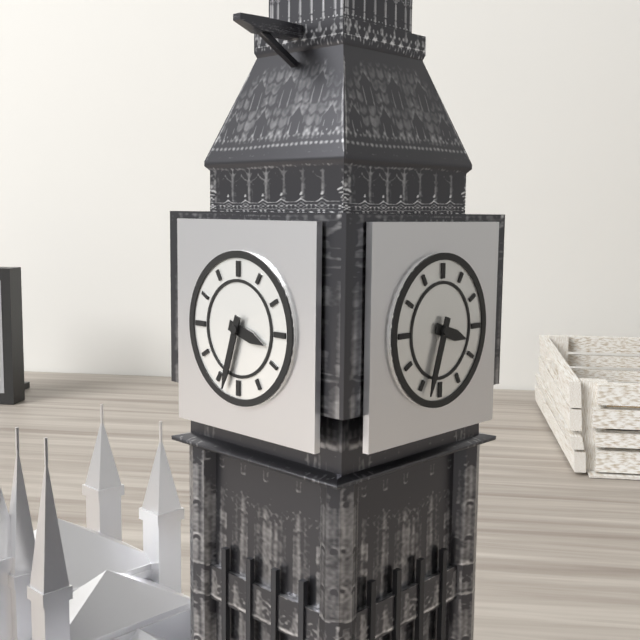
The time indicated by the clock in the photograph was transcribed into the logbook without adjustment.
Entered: 3:33
